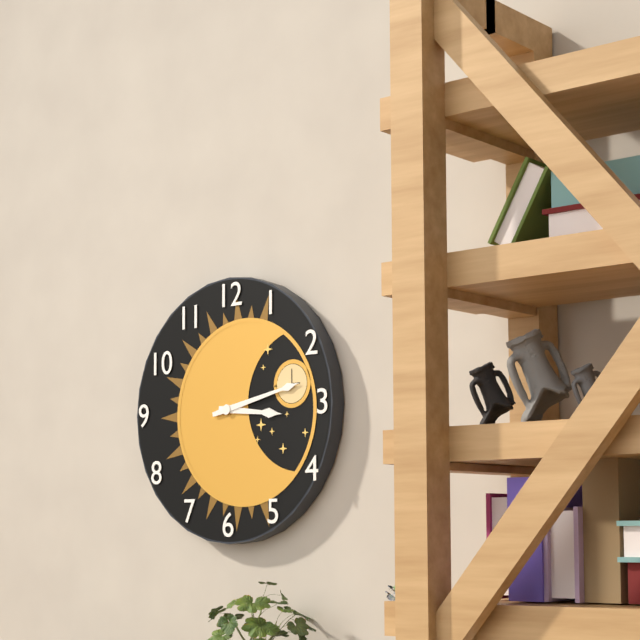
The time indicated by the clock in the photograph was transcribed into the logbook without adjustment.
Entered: 3:13
